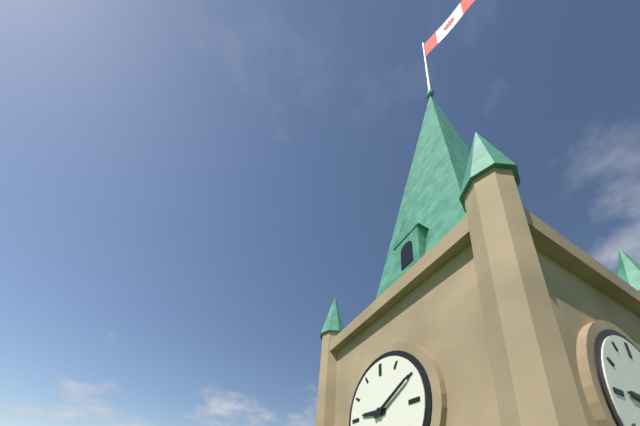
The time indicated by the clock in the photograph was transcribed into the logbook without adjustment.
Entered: 9:10
